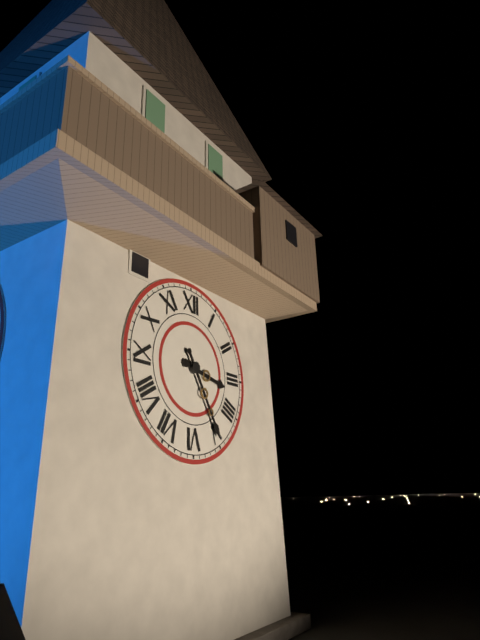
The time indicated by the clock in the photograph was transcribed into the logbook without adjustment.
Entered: 3:25
